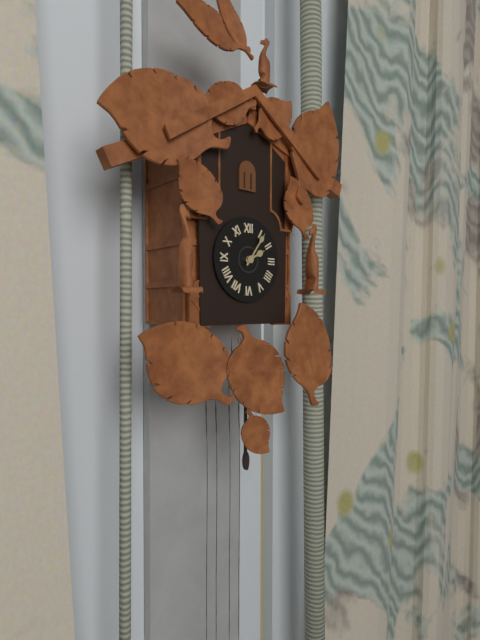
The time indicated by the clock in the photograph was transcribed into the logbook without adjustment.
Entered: 2:06
